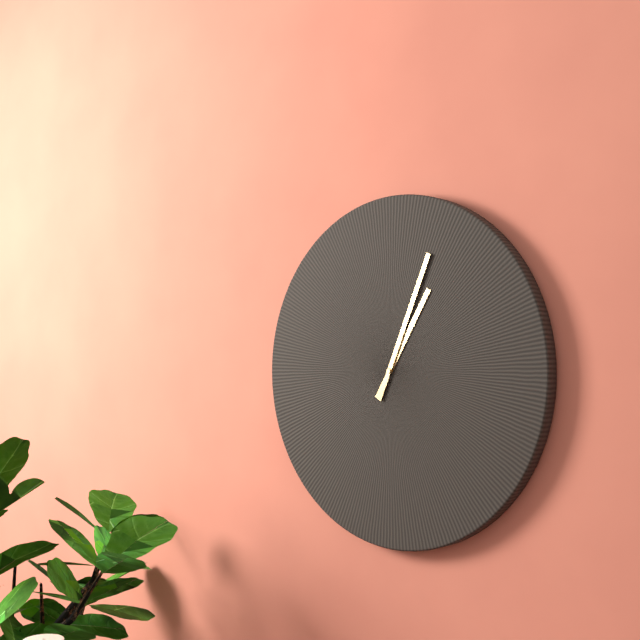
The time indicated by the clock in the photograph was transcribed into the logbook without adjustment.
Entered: 1:04
